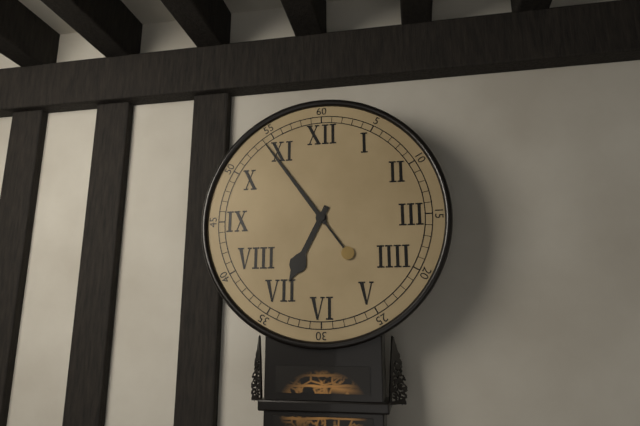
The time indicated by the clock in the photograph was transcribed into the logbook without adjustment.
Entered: 6:54
